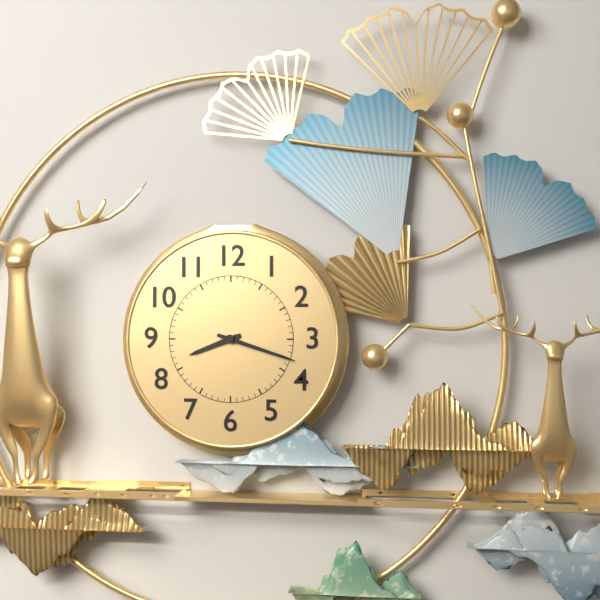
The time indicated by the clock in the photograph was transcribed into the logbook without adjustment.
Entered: 8:18
